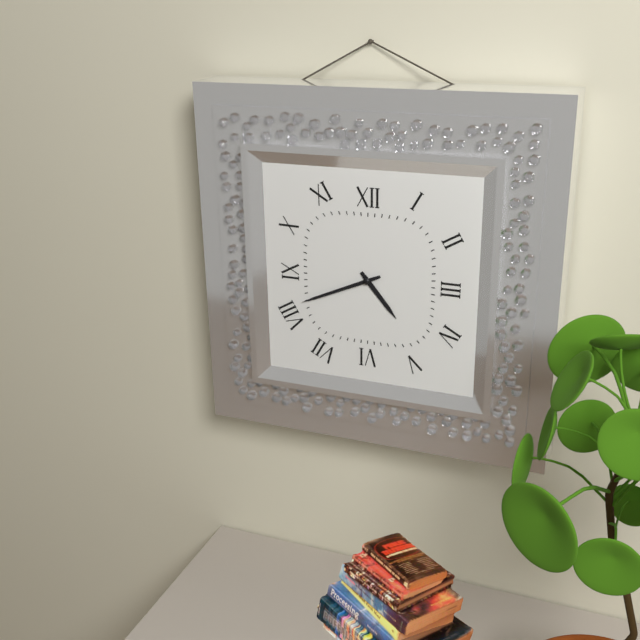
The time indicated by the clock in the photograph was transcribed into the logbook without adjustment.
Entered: 4:41
